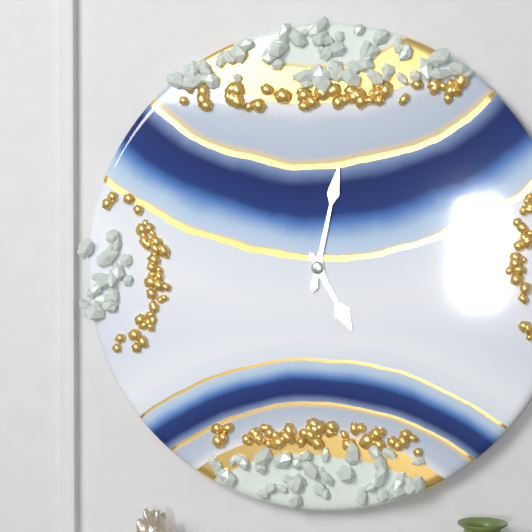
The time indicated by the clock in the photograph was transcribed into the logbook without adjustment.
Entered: 5:02
